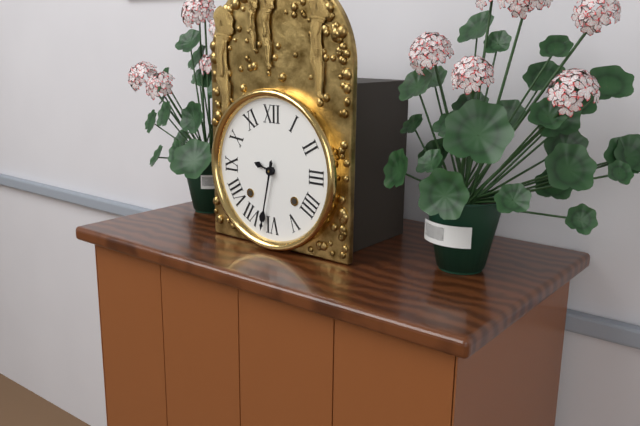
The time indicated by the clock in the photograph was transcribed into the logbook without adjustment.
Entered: 9:32
